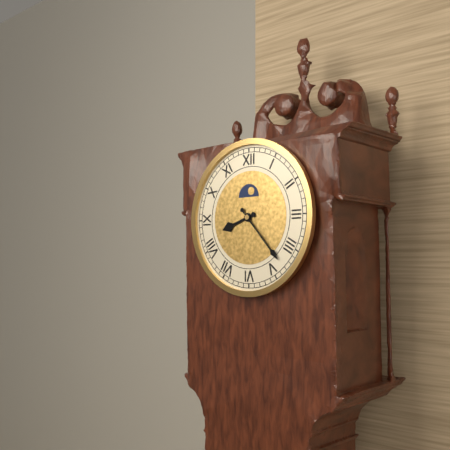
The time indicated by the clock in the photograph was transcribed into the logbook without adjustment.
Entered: 8:23
